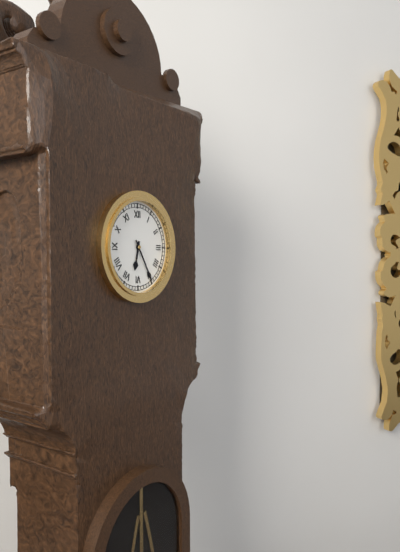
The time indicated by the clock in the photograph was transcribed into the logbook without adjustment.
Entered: 6:25
